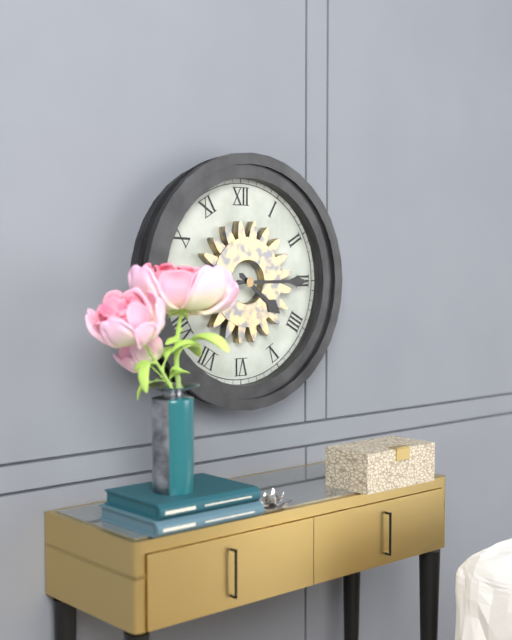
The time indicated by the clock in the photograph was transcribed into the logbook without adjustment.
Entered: 4:15
